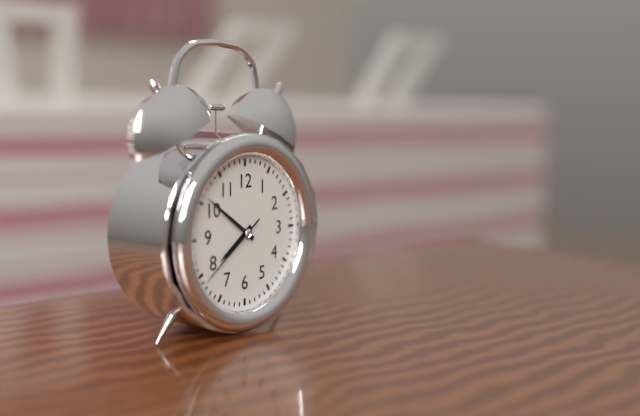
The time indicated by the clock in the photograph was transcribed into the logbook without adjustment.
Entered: 7:51:39
